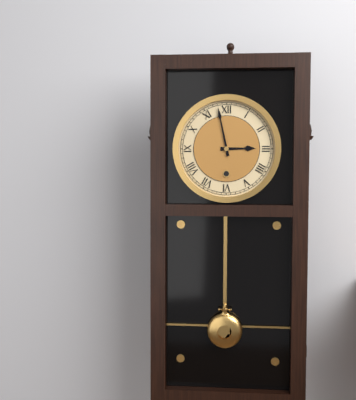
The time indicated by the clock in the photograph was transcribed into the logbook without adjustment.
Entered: 2:58
